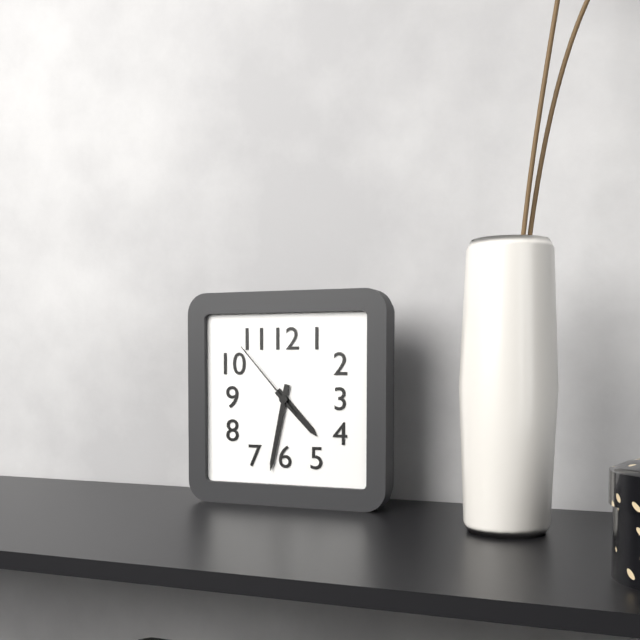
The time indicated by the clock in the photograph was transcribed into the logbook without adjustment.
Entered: 4:32:53
